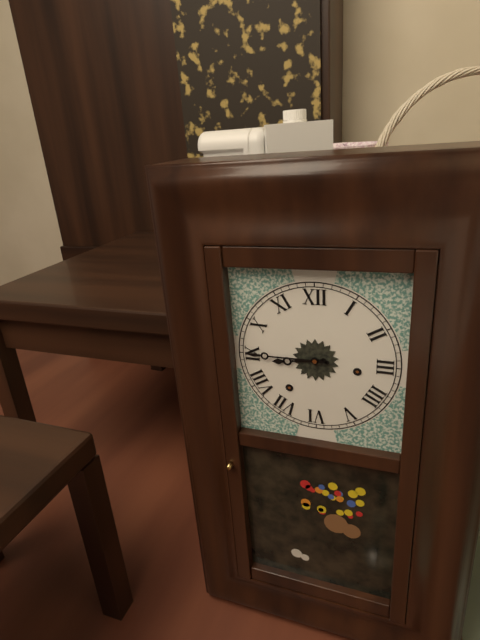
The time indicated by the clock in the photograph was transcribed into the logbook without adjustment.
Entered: 8:45
